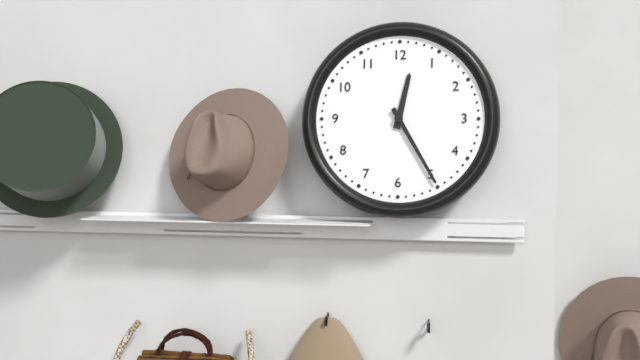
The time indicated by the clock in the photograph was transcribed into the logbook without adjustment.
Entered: 12:25
